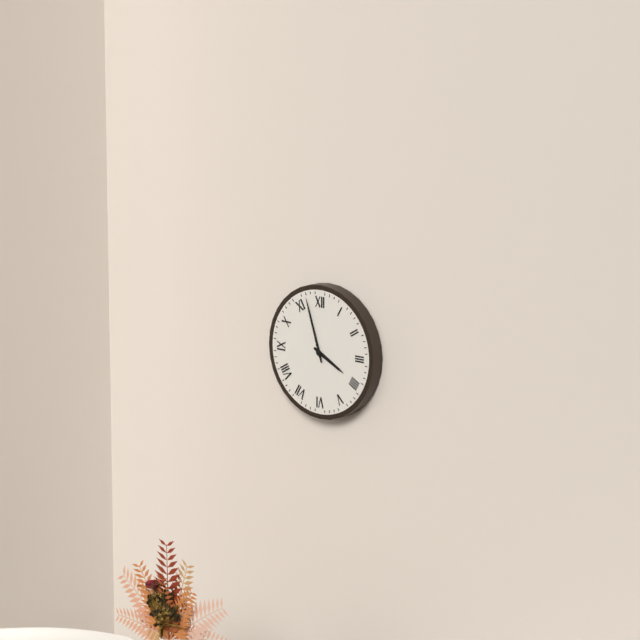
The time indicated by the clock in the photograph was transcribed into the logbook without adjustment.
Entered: 3:57
